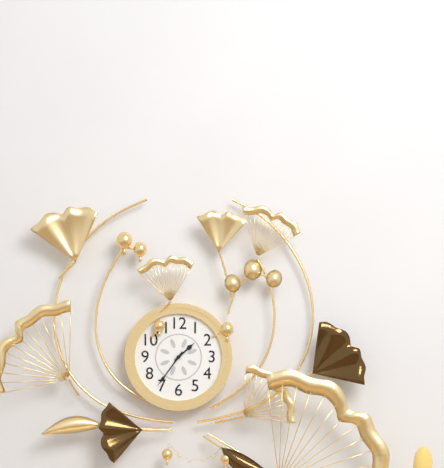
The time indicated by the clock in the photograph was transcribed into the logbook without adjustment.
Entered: 1:36
